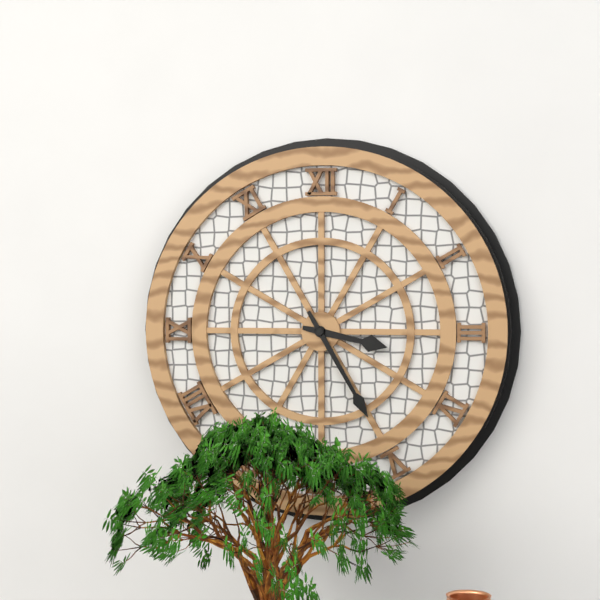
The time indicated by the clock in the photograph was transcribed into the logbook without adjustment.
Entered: 3:25
